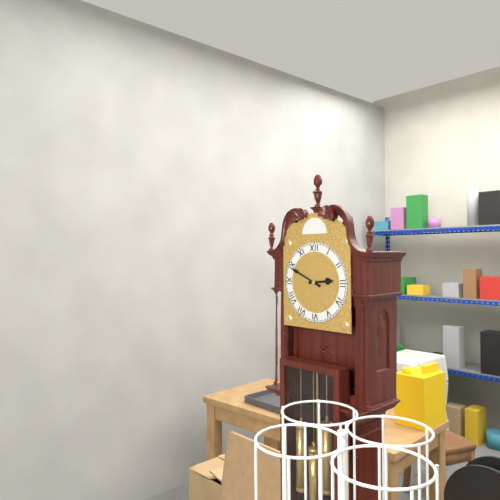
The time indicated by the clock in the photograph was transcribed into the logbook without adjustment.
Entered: 2:49
